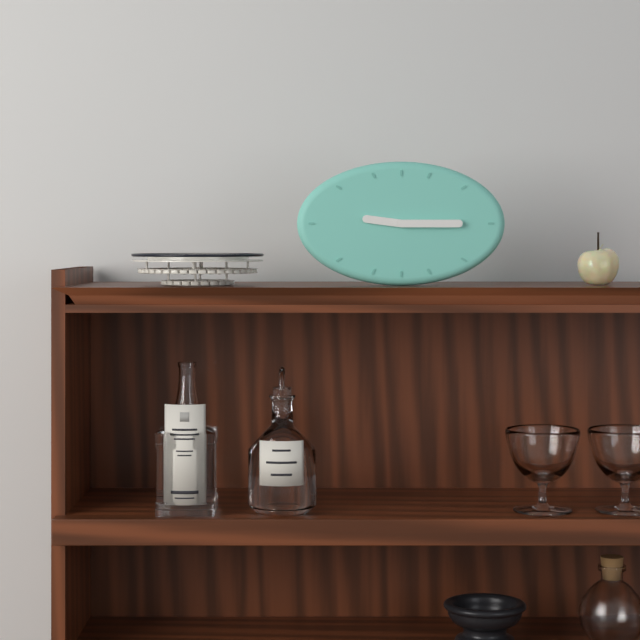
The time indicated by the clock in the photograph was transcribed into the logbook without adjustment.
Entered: 9:15
